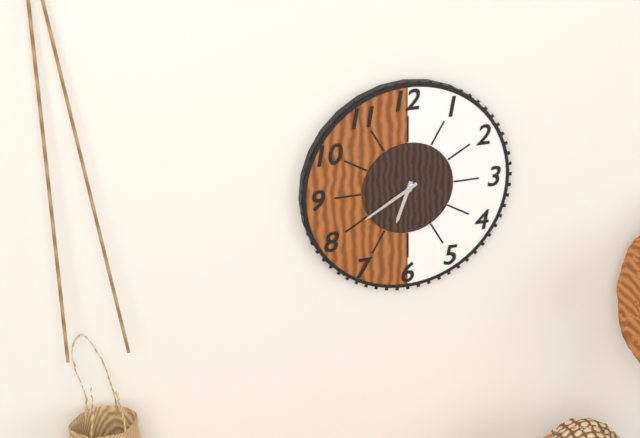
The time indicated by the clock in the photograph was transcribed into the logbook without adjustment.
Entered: 6:40
